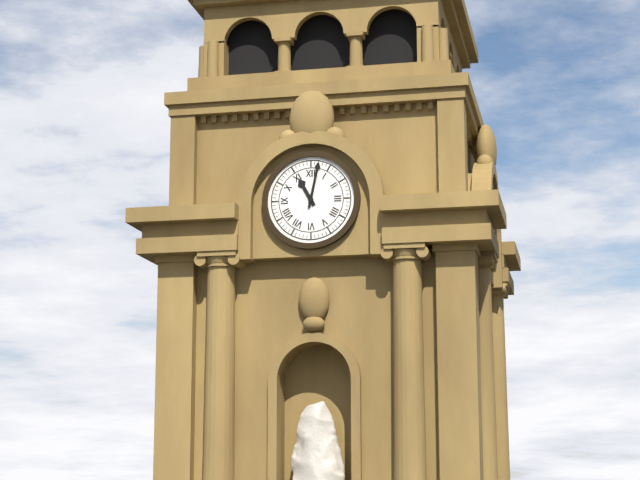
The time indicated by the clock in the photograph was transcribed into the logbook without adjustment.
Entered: 11:02
